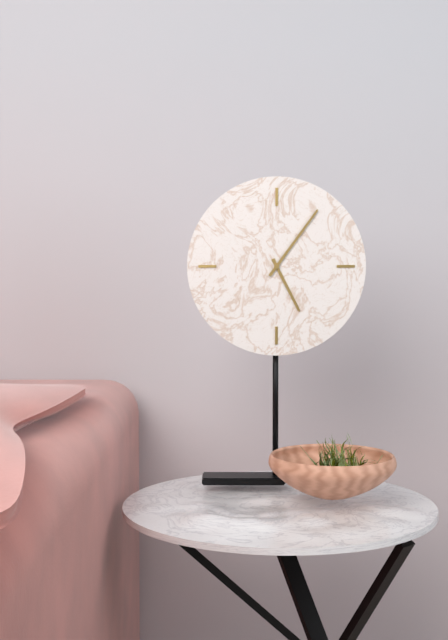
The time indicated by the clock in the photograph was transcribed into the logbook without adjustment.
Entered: 5:06
